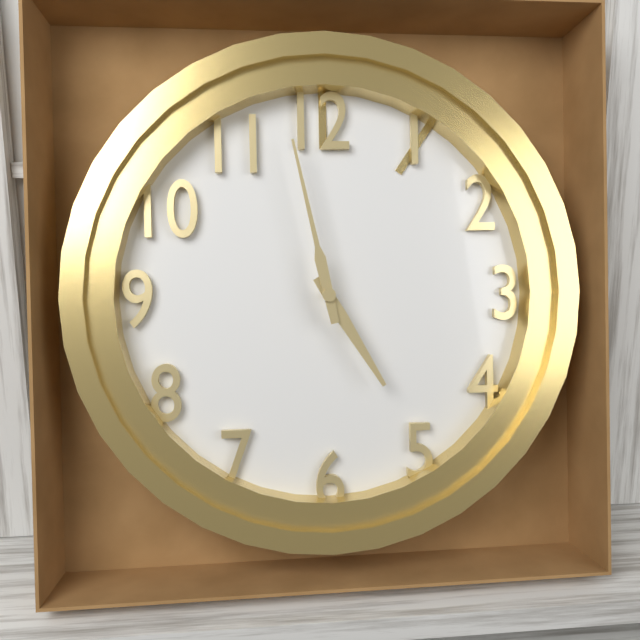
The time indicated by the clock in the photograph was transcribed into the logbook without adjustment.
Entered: 4:58
